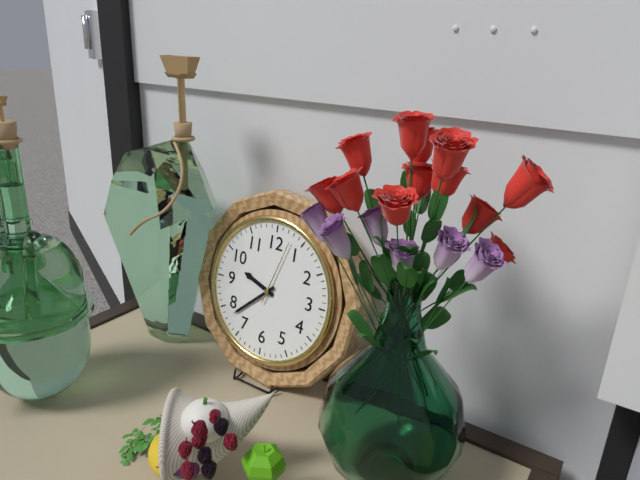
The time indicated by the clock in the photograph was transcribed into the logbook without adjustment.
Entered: 9:38:03
